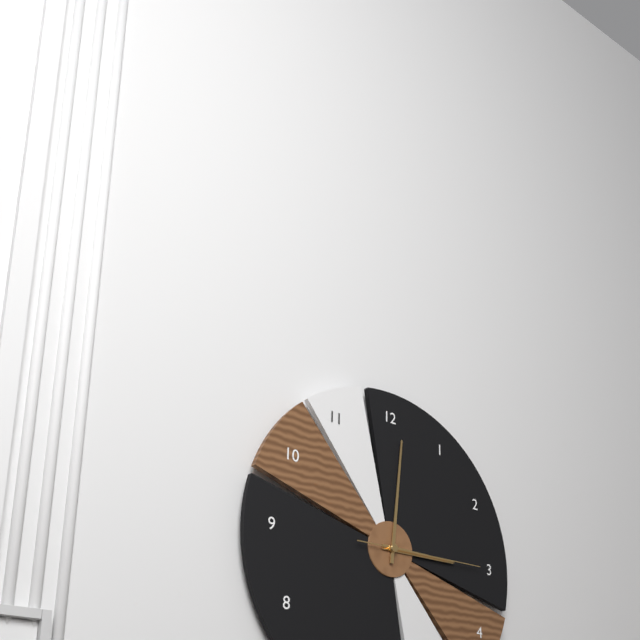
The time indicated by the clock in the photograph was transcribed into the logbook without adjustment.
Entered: 3:01:15
